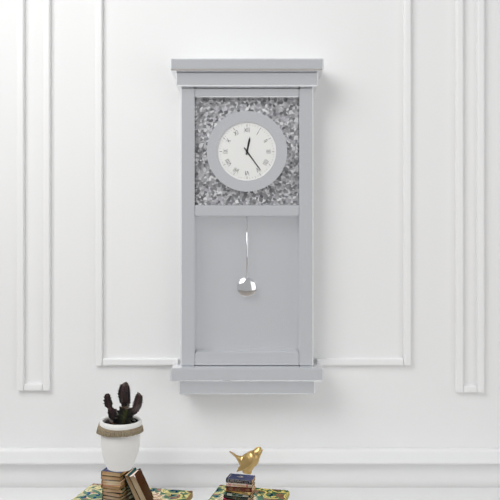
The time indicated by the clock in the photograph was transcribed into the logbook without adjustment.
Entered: 12:24
